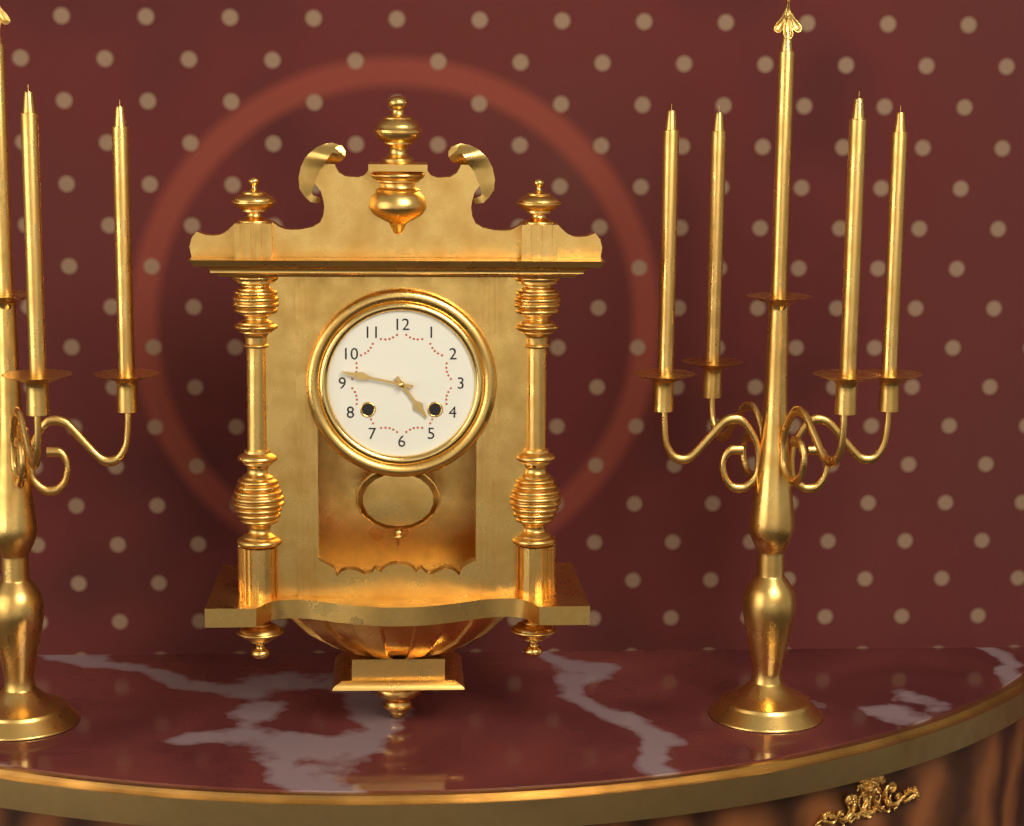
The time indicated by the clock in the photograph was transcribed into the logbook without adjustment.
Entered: 4:47
